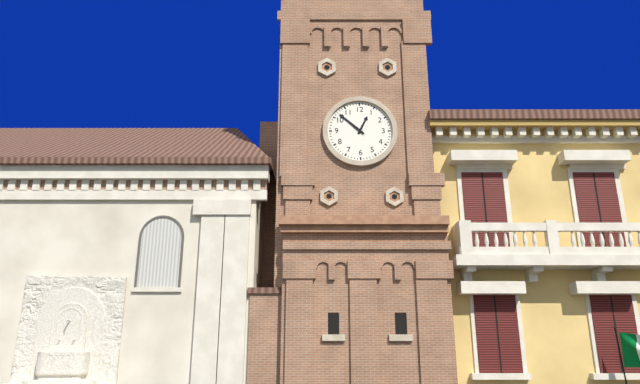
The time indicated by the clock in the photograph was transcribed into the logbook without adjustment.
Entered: 12:52
